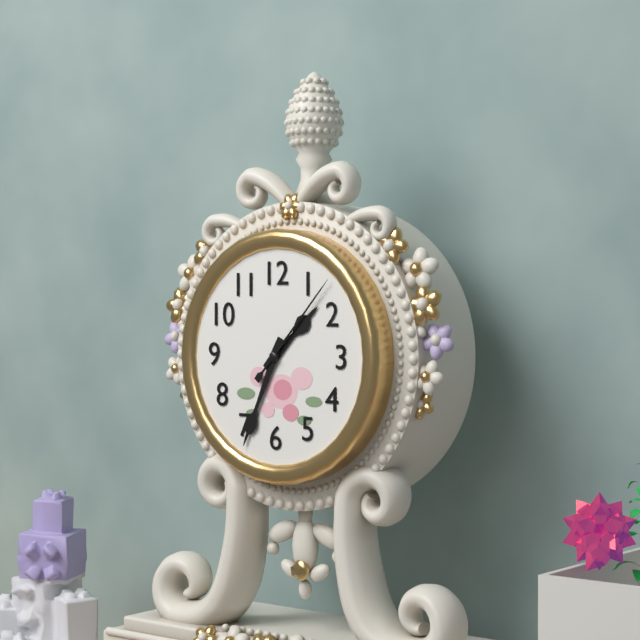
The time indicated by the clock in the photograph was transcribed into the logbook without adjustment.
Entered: 1:34:07
